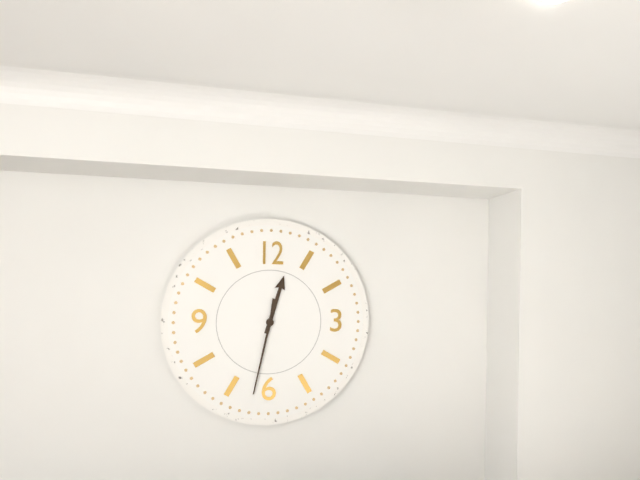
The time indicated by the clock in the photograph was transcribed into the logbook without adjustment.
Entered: 12:32
